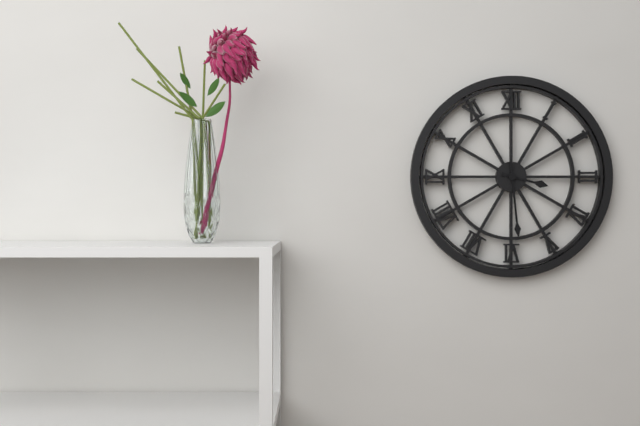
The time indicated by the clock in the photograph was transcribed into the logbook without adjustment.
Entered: 3:29
